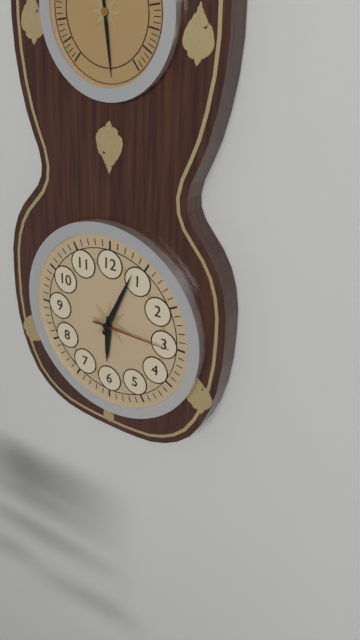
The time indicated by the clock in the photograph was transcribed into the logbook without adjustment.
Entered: 6:04:15
